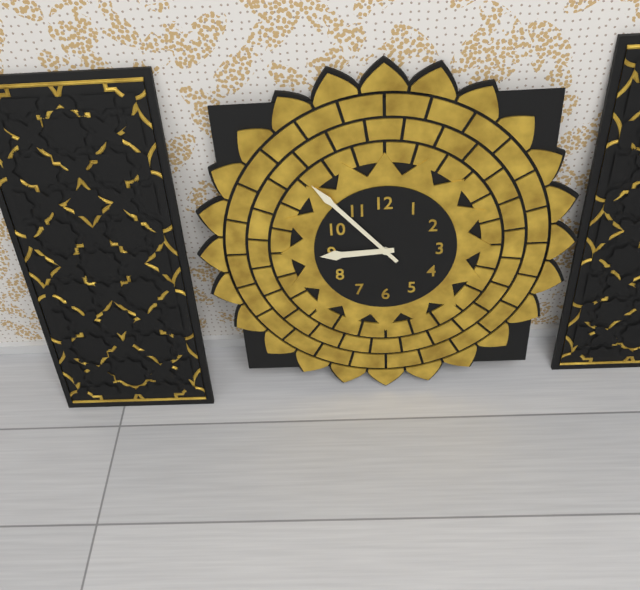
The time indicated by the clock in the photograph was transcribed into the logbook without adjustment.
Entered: 8:53
